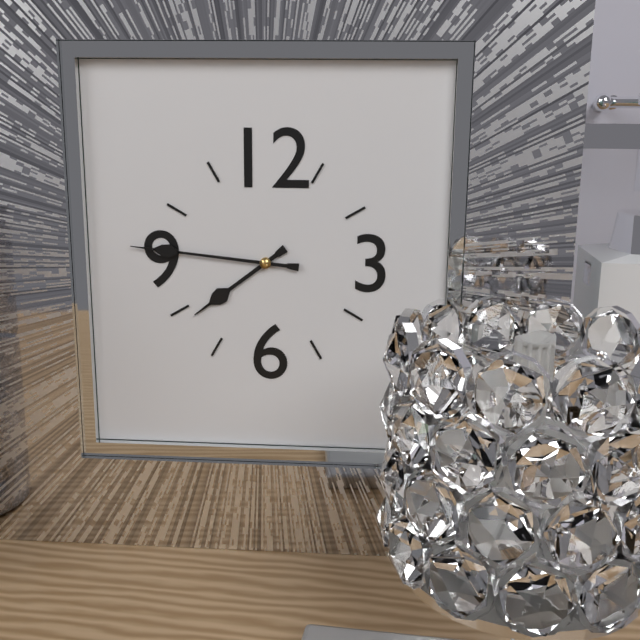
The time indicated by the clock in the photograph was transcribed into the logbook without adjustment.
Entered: 7:46
